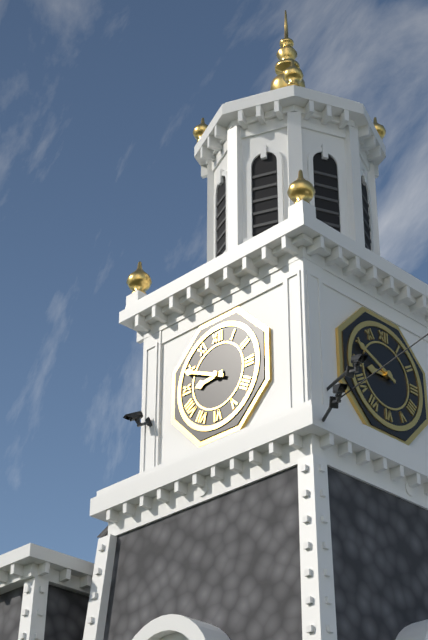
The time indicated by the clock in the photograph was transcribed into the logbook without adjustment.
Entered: 8:49
